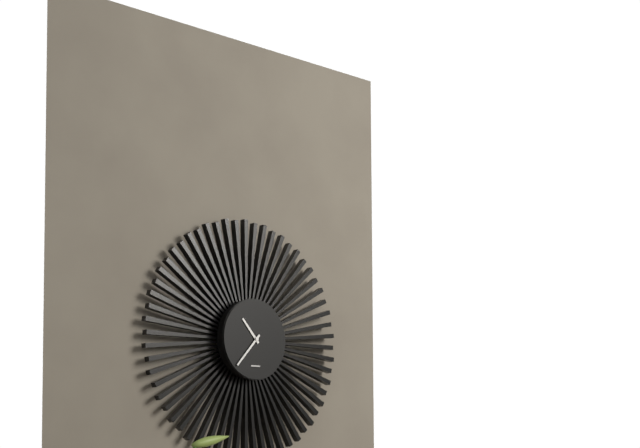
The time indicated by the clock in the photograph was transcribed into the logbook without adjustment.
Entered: 10:37
